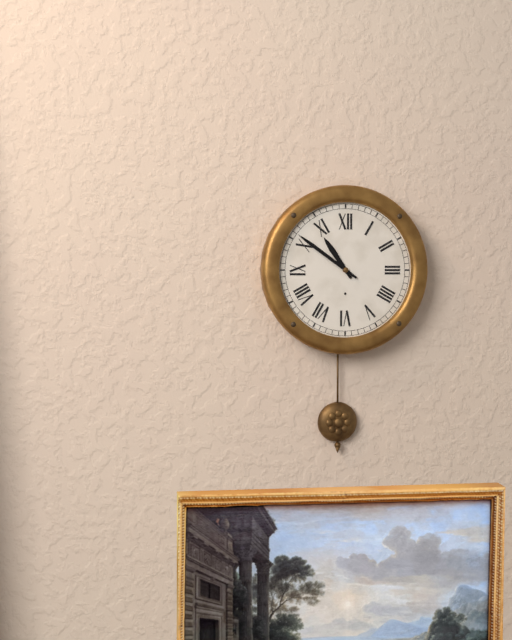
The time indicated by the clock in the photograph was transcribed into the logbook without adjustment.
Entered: 10:51
